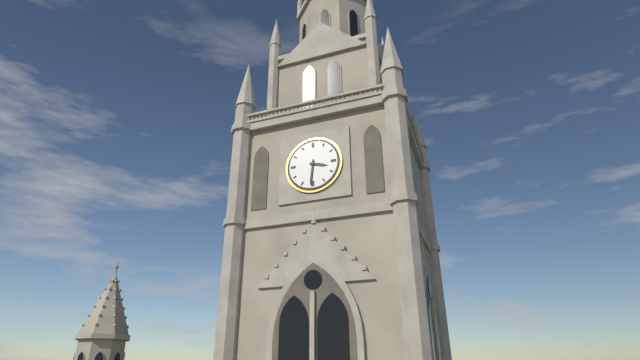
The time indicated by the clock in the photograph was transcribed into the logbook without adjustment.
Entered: 3:31
